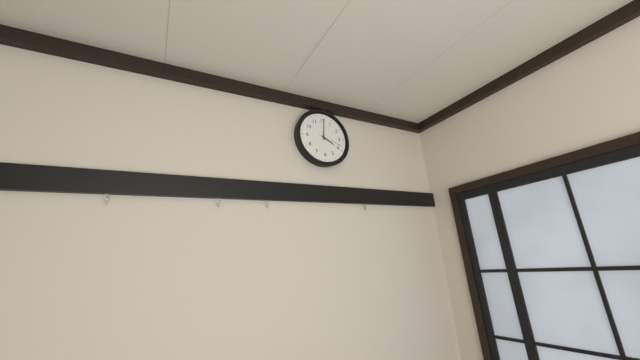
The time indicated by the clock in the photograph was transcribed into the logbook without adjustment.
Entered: 4:01
